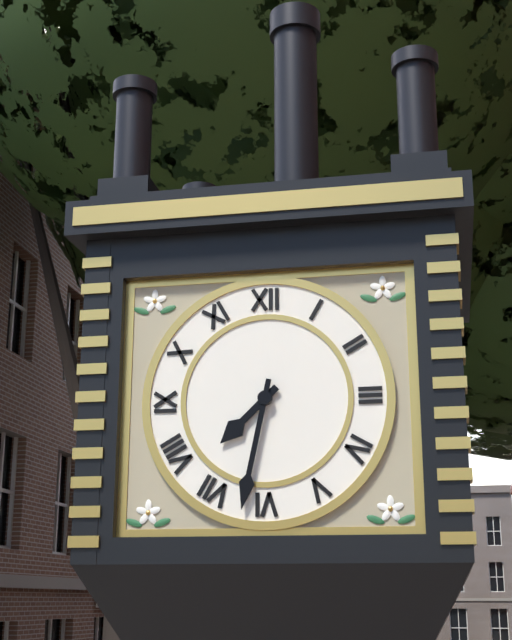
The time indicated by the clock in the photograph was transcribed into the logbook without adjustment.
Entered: 7:32
